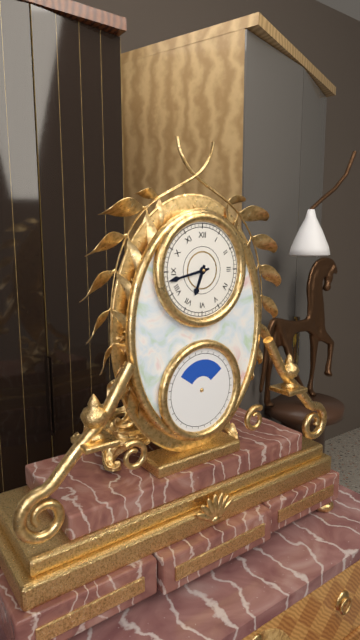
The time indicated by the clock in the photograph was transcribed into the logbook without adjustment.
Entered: 6:43
